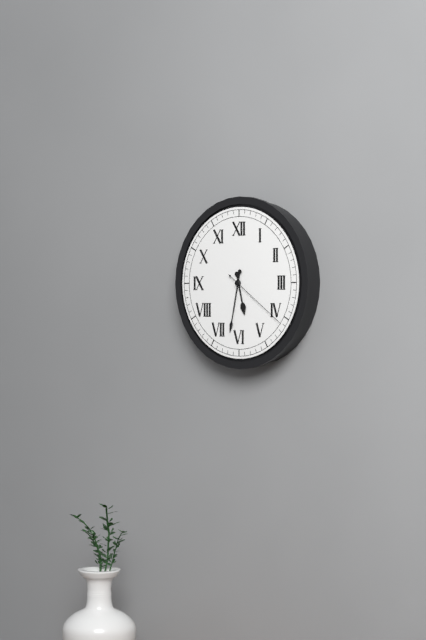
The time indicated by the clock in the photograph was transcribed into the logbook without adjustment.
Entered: 5:32:21
